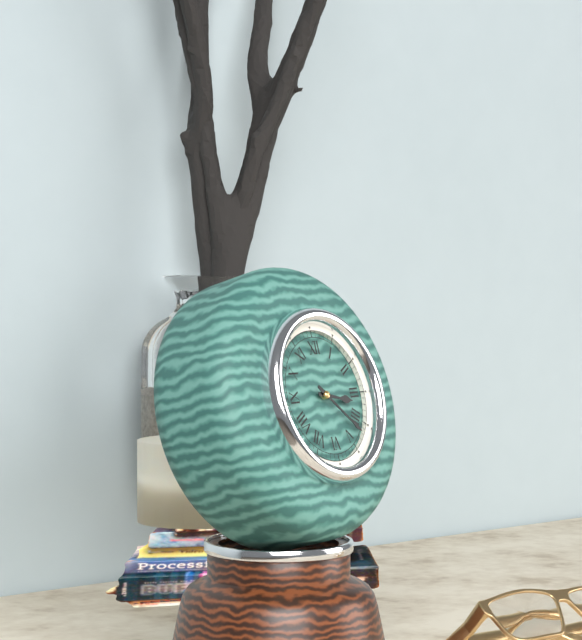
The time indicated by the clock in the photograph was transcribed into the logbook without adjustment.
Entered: 3:22
